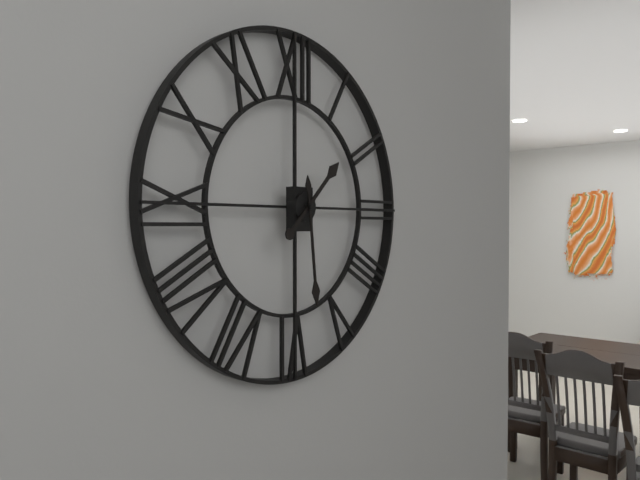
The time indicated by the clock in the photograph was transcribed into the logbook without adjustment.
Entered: 1:29
